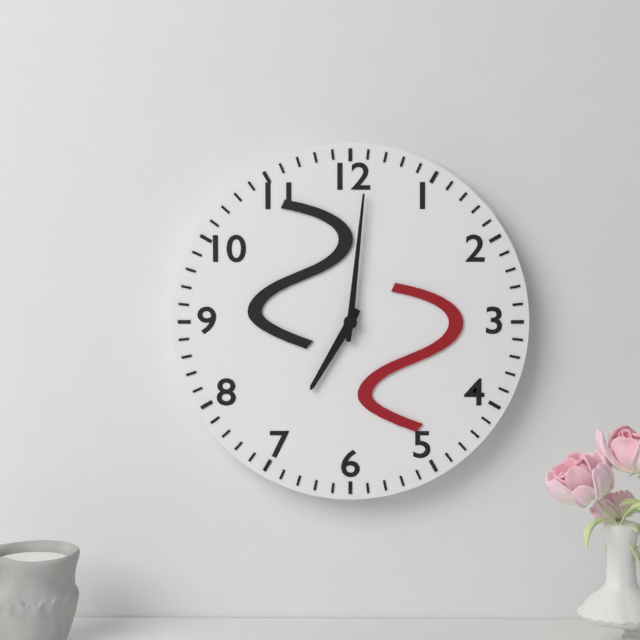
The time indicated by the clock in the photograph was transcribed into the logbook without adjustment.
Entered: 7:01
